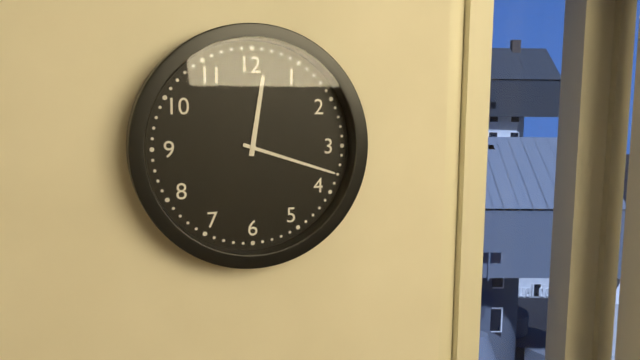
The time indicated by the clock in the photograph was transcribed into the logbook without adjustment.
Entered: 12:18
